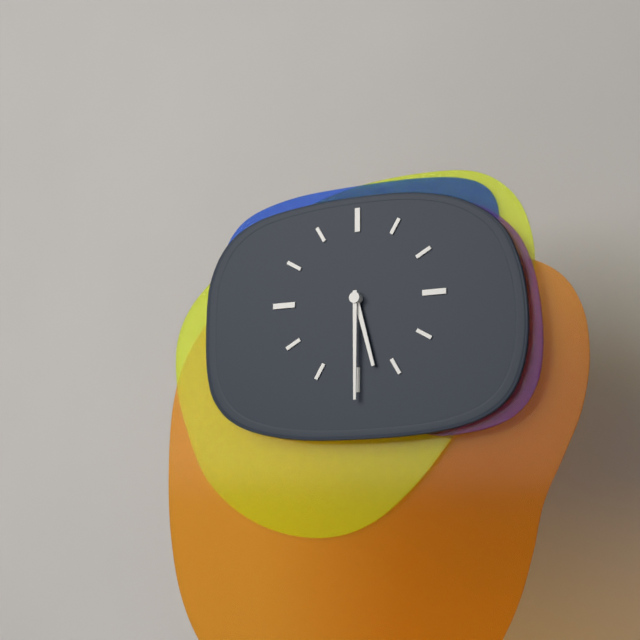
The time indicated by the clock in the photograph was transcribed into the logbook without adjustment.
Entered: 5:30
